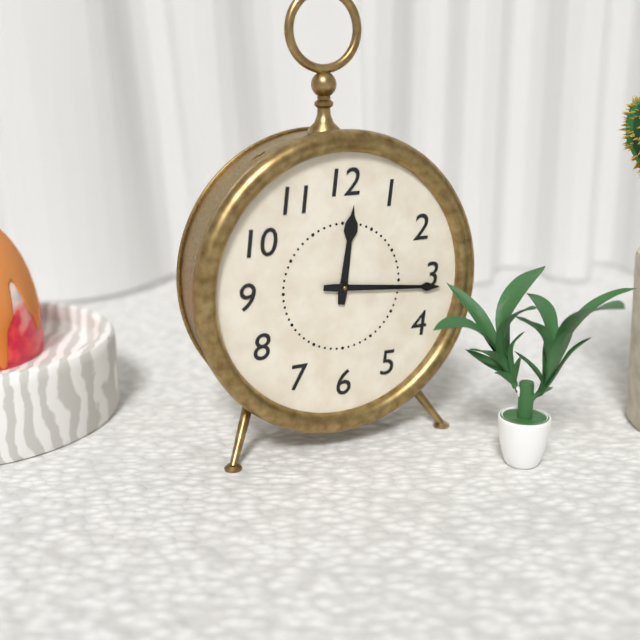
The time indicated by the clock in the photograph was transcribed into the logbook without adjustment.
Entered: 12:16
